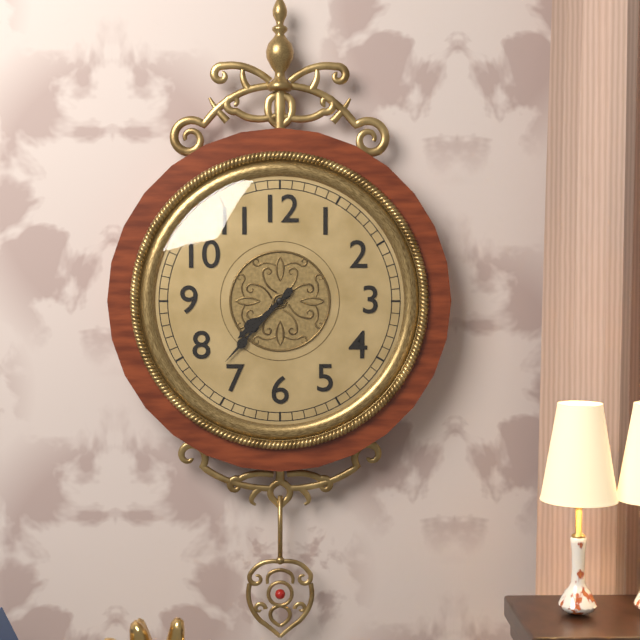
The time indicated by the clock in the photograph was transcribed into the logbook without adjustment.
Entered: 7:37
